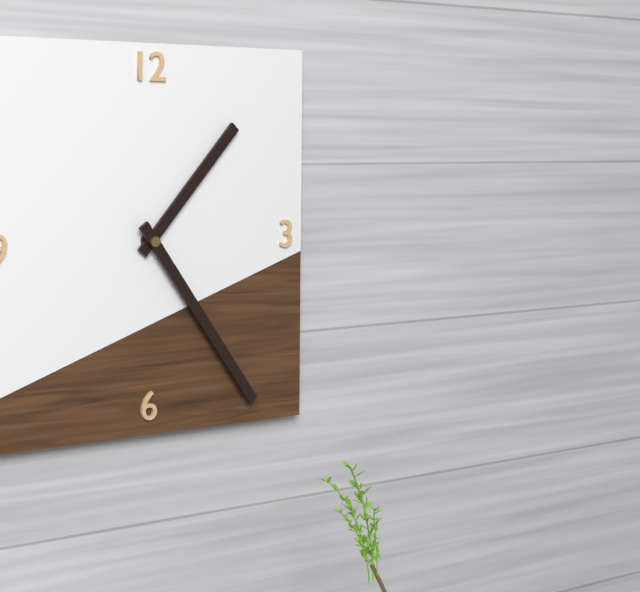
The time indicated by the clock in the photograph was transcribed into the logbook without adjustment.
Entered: 1:24
